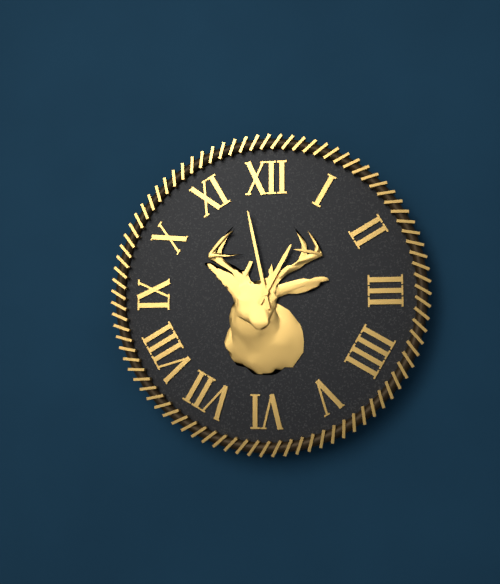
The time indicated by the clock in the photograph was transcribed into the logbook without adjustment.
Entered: 12:58
